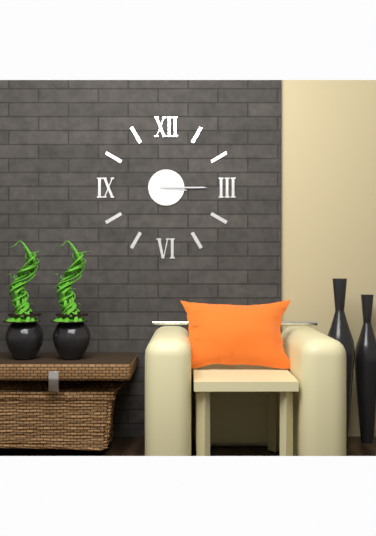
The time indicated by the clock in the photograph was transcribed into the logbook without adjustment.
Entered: 3:15
